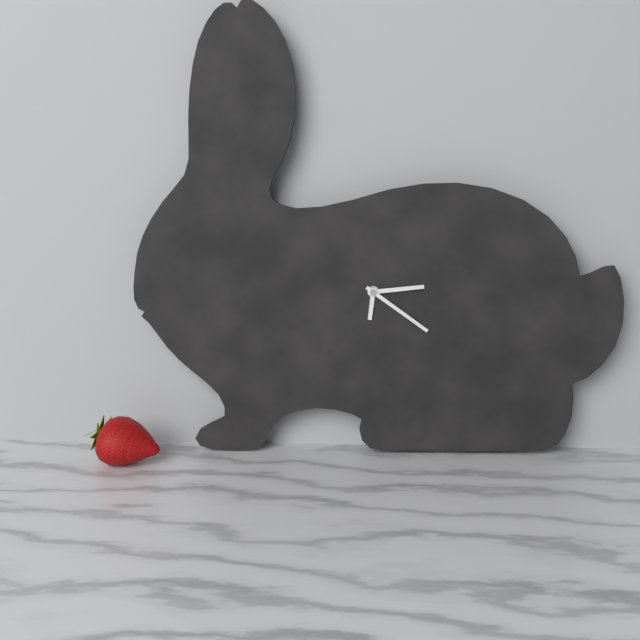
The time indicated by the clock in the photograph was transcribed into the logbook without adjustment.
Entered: 6:14:21
